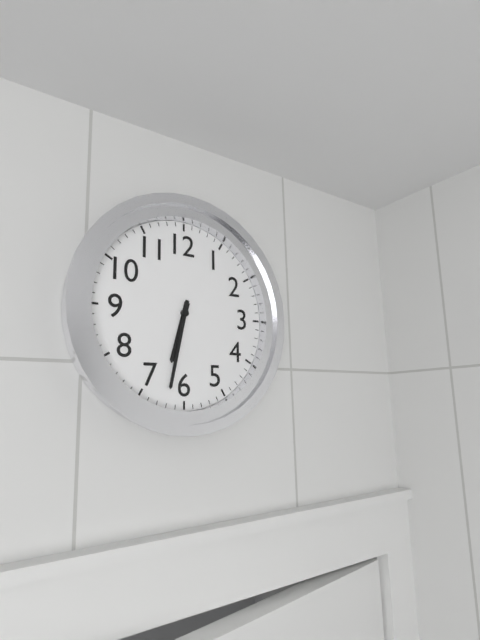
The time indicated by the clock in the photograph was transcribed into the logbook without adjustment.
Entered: 6:32
